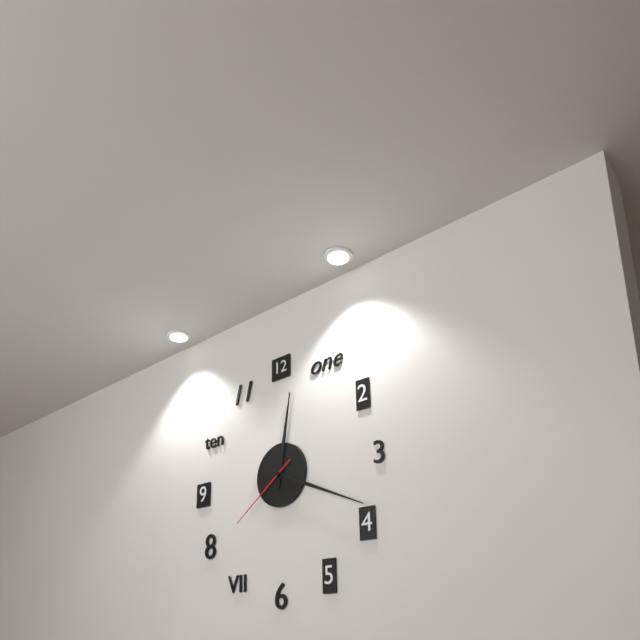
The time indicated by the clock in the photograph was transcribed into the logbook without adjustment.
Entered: 12:19:39
